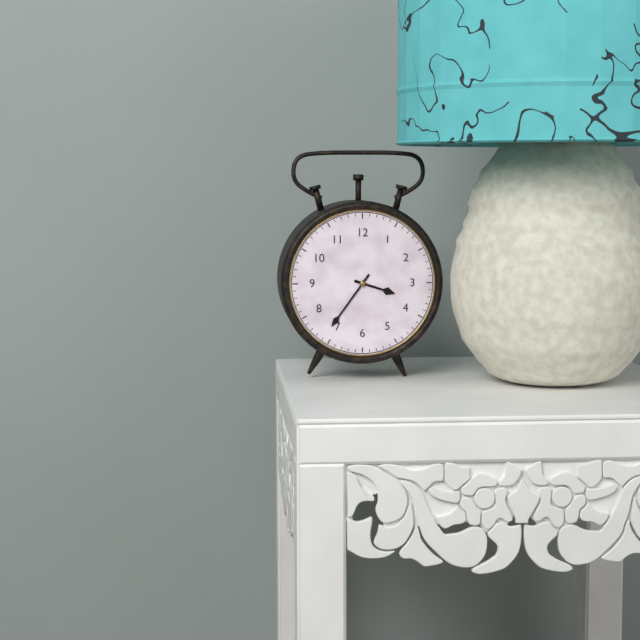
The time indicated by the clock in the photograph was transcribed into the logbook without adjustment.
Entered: 3:36
